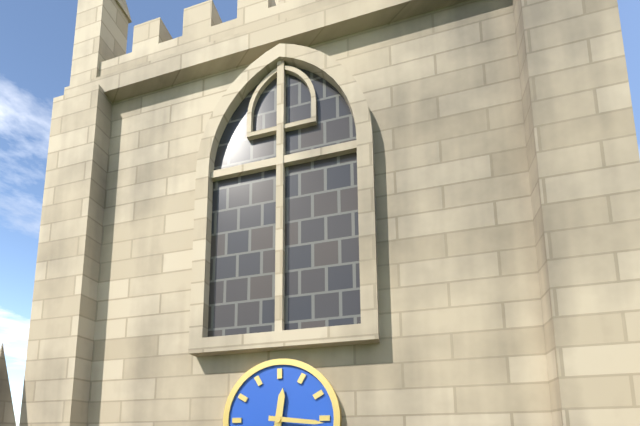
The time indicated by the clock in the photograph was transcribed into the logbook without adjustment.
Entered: 12:16
